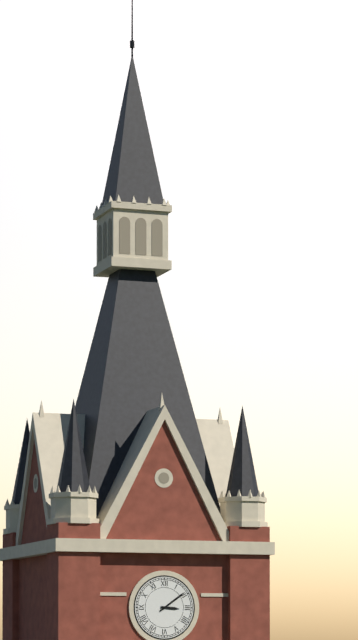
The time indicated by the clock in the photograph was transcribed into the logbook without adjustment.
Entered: 3:09
